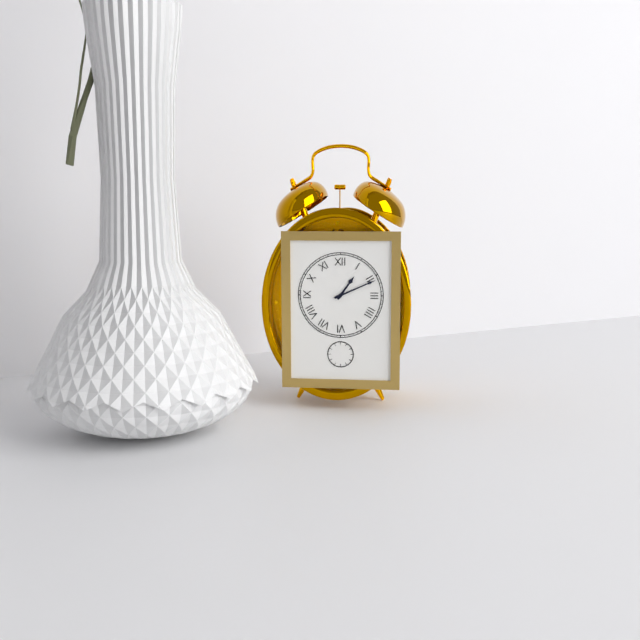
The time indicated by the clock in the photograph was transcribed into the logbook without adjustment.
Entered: 1:11
